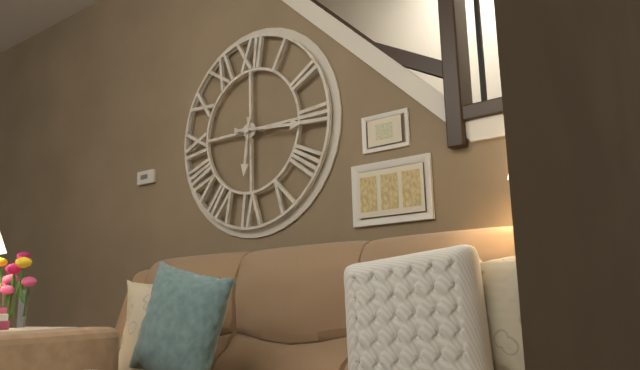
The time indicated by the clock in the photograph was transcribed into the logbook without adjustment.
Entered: 6:16
